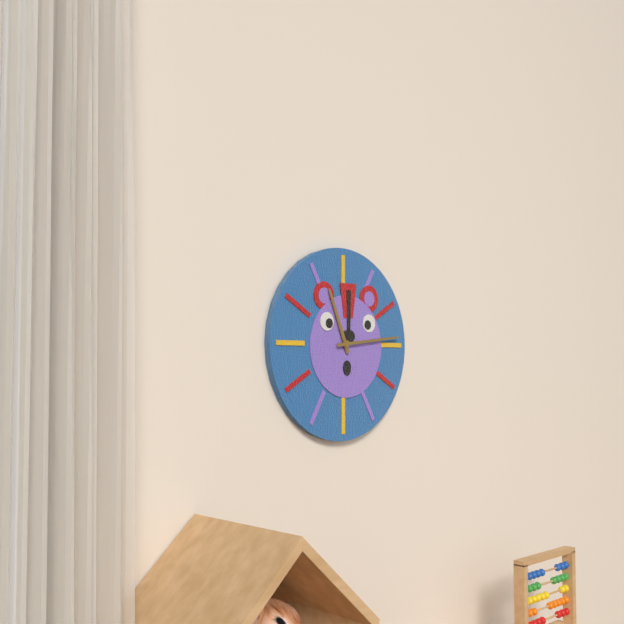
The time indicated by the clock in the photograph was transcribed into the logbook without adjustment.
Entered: 11:14
